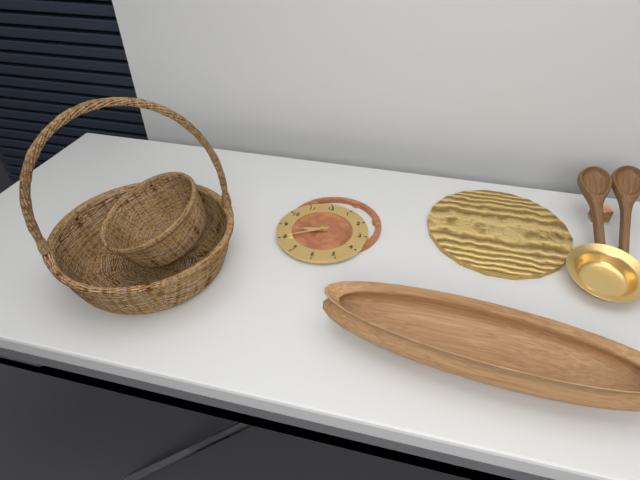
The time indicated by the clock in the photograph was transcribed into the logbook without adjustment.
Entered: 8:40
